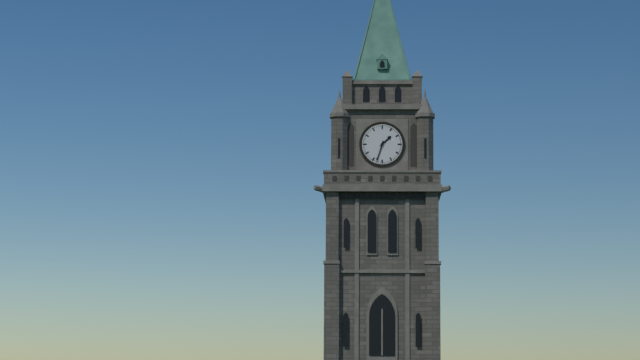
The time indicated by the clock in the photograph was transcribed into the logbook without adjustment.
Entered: 1:33
